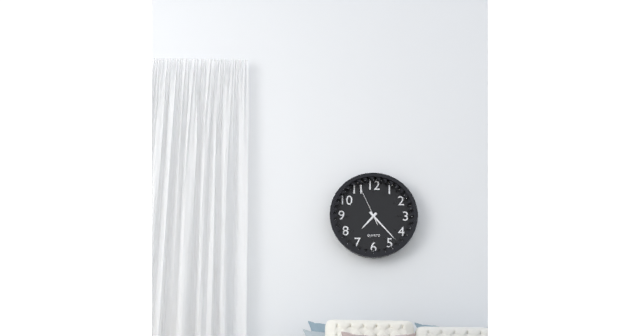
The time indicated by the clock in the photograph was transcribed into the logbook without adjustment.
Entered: 7:23
